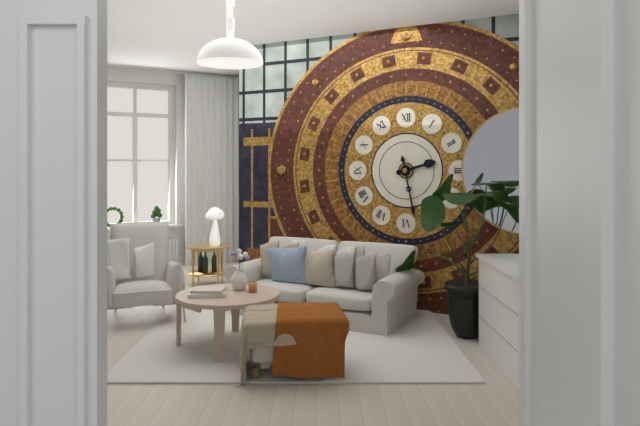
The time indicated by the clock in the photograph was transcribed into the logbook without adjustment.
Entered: 2:28
